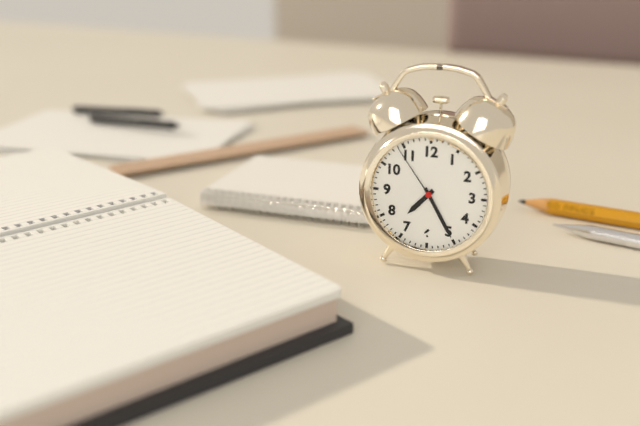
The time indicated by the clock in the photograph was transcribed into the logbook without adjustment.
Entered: 7:25:54
